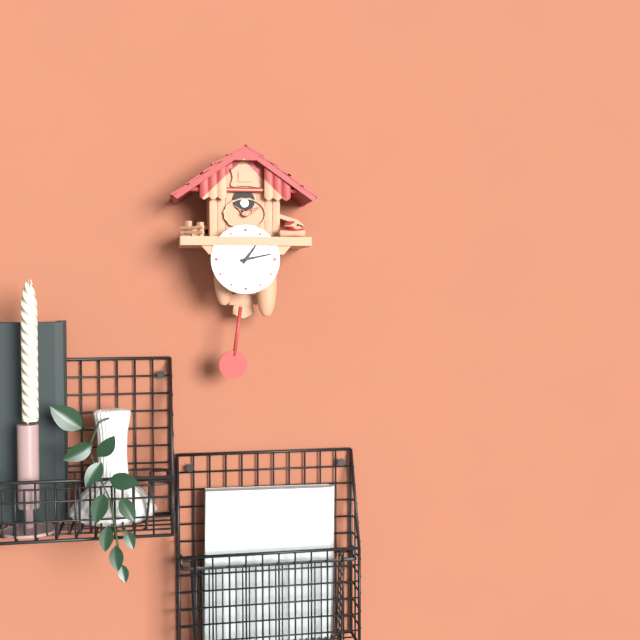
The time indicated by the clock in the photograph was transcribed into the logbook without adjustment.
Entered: 1:13
